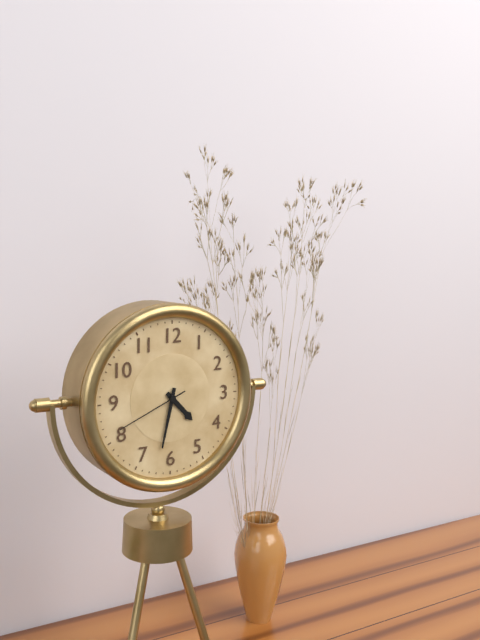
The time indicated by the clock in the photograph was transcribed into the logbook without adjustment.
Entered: 4:32:41
